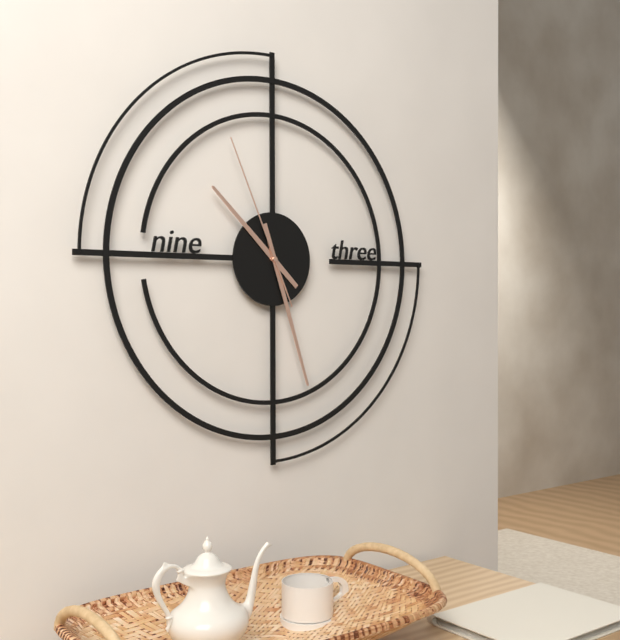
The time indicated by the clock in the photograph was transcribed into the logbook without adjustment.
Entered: 10:27:56
